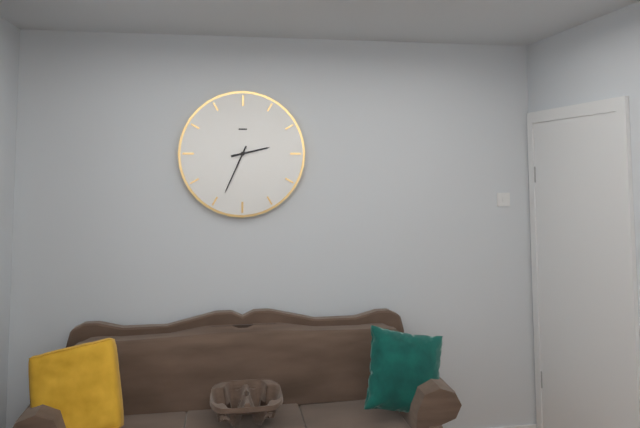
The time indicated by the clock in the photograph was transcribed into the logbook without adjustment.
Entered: 2:34
